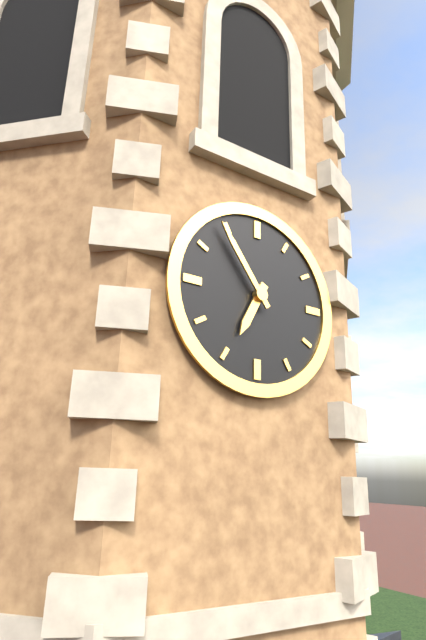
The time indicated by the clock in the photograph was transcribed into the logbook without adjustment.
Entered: 6:54
